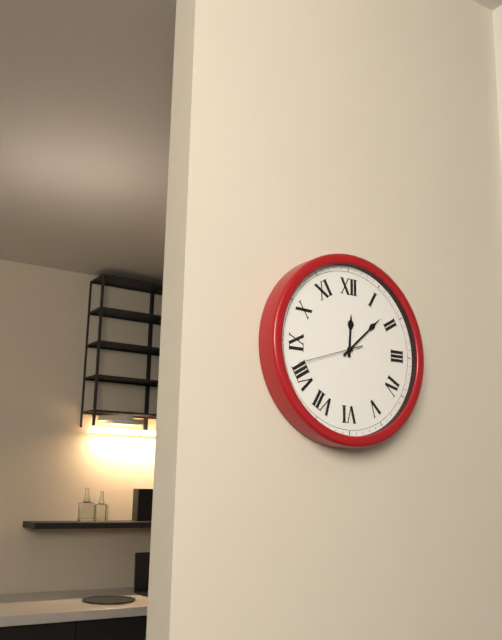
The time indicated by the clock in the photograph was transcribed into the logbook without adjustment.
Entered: 12:08:42
